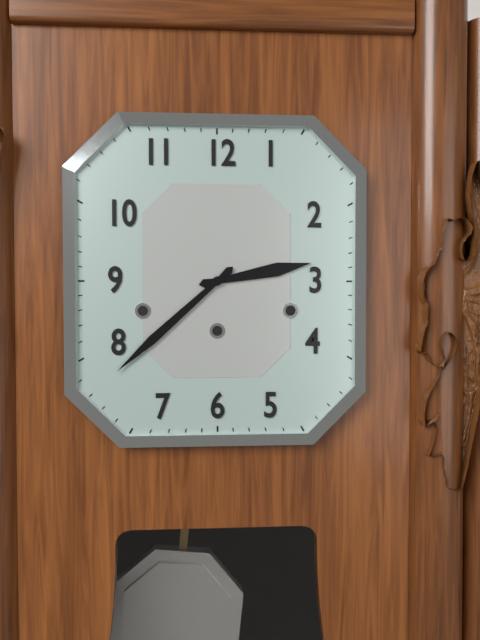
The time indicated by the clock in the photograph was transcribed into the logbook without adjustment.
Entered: 2:38
